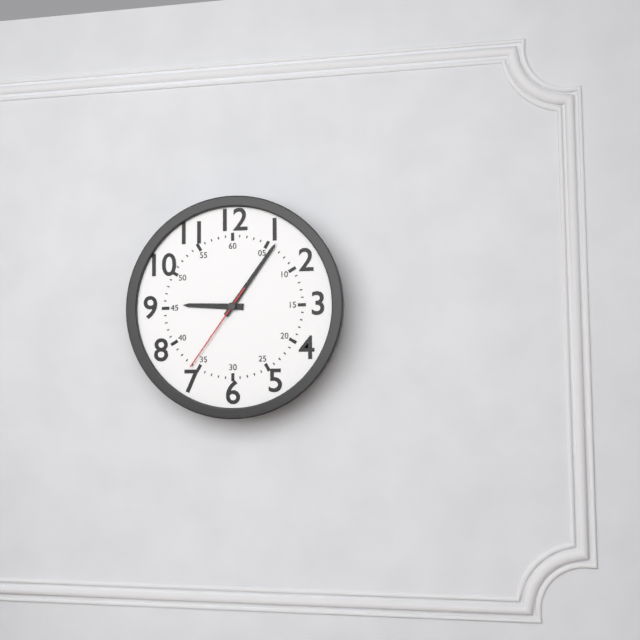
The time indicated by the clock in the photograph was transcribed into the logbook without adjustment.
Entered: 9:06:36
